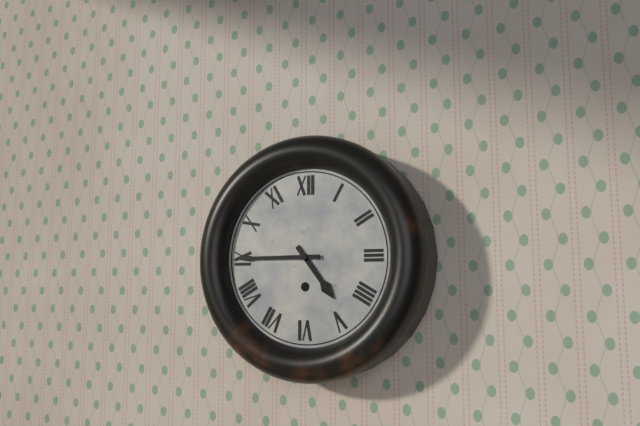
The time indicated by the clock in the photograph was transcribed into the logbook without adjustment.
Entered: 4:45
